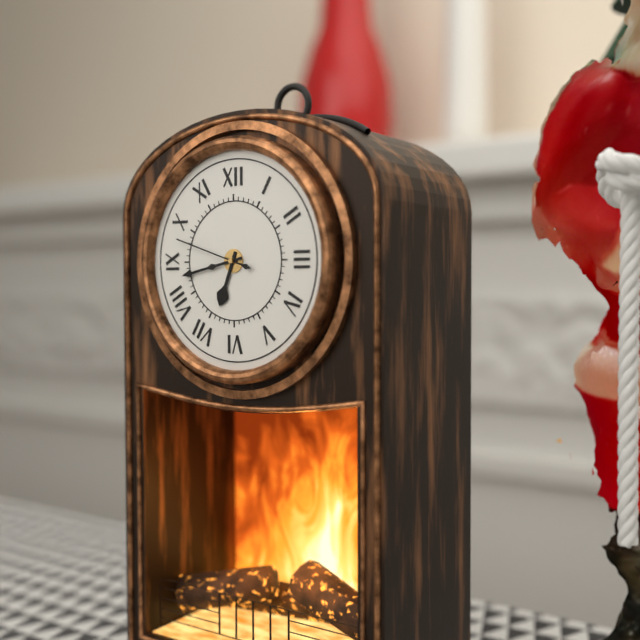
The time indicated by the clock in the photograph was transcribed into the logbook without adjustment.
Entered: 6:43:48
